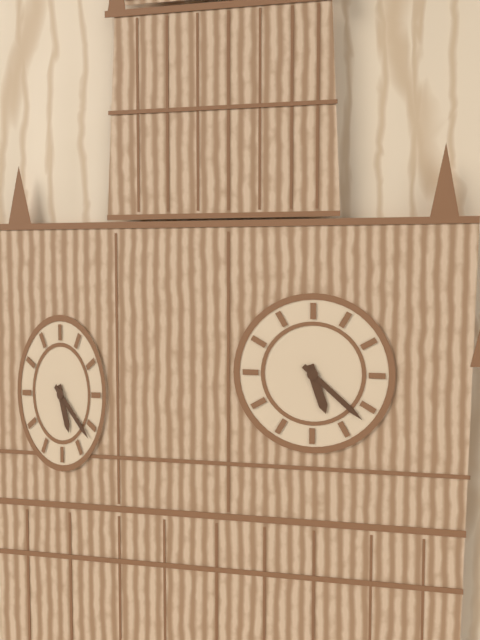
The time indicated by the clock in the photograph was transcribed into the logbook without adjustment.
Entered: 5:22
